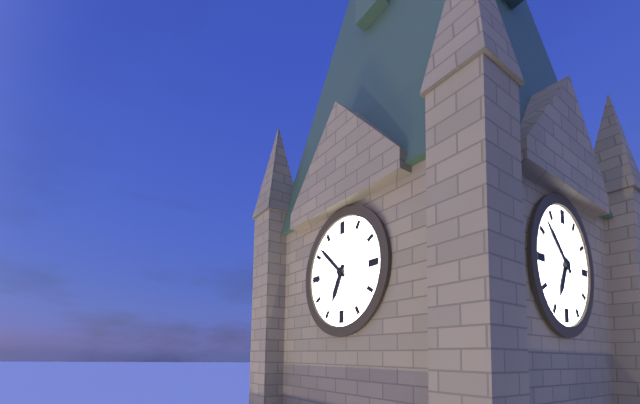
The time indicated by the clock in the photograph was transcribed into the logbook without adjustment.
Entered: 6:52
